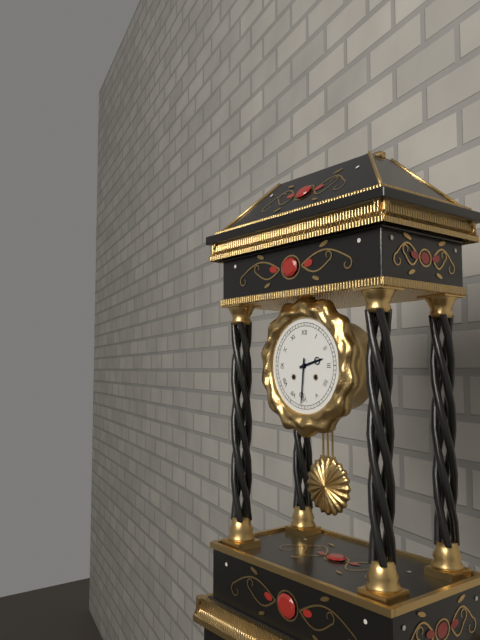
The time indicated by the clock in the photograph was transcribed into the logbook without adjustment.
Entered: 2:31
